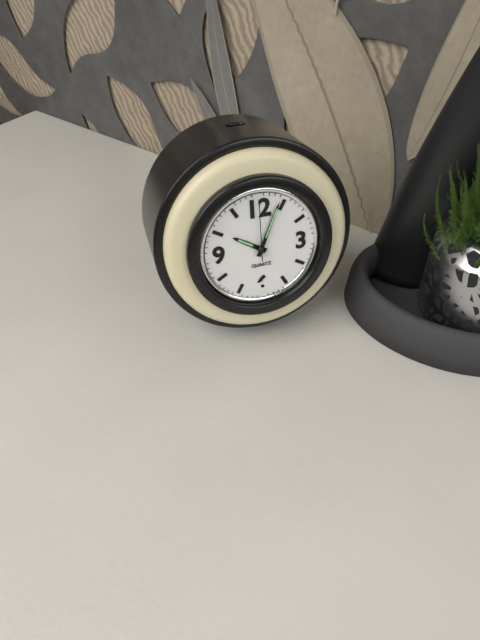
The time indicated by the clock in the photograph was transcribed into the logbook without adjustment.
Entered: 10:04:00
